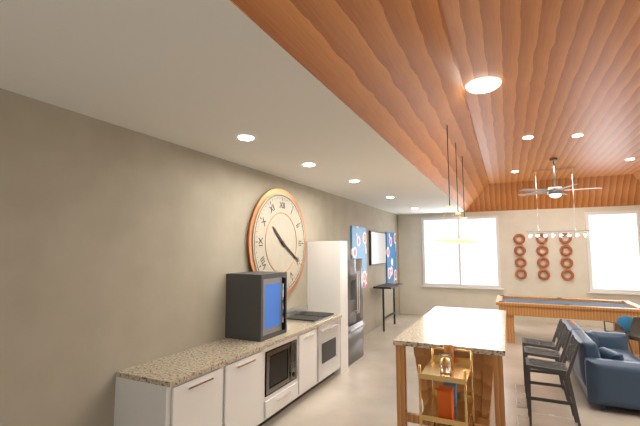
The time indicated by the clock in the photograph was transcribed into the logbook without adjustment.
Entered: 10:20
